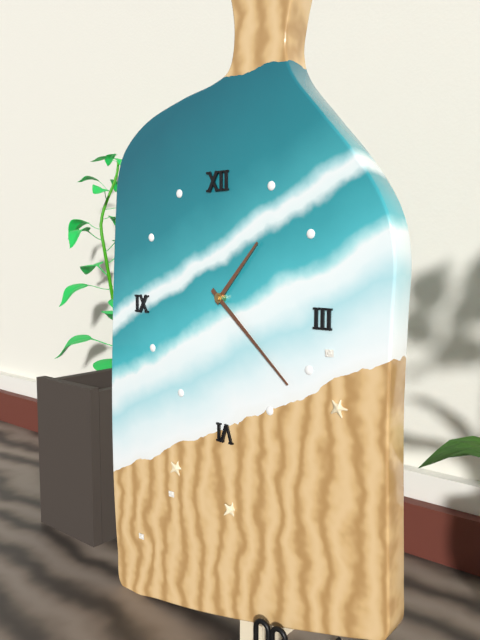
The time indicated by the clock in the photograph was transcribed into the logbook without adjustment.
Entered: 1:22
